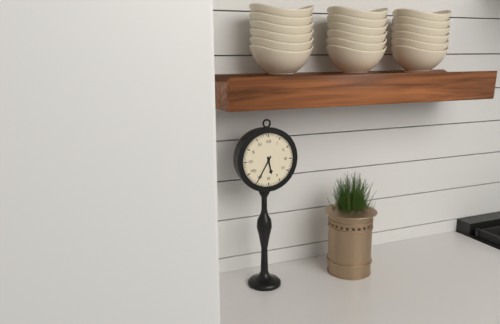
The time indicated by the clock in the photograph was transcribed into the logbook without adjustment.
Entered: 5:35
